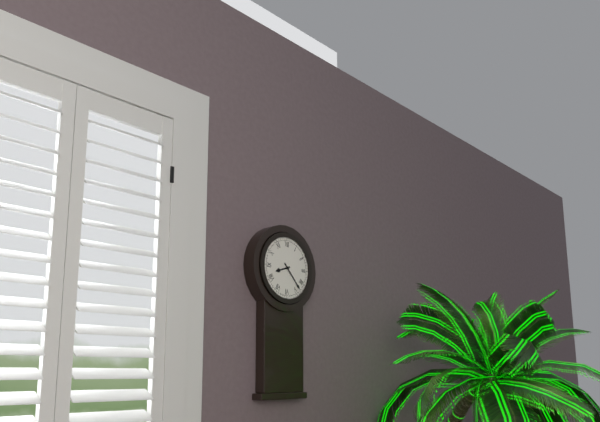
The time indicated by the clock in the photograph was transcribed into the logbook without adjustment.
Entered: 8:23
